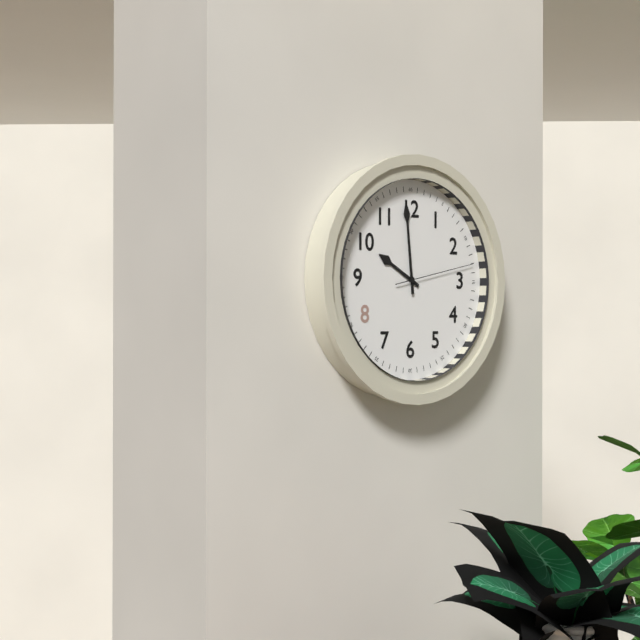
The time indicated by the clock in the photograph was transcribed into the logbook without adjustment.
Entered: 9:59:13
